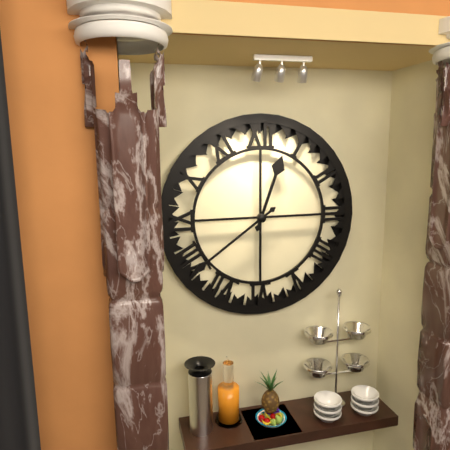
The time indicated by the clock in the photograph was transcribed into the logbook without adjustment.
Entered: 12:39
